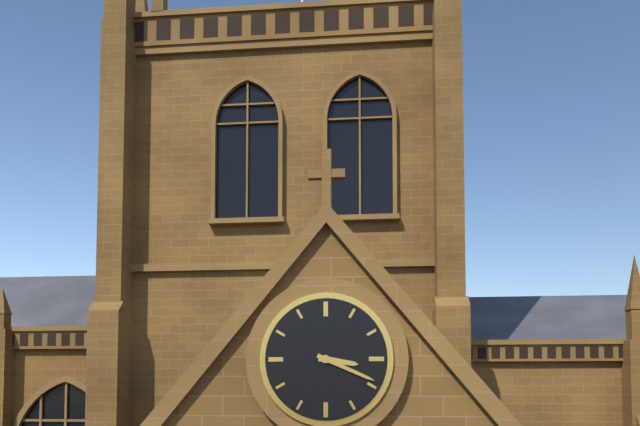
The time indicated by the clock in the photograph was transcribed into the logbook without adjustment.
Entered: 3:19
